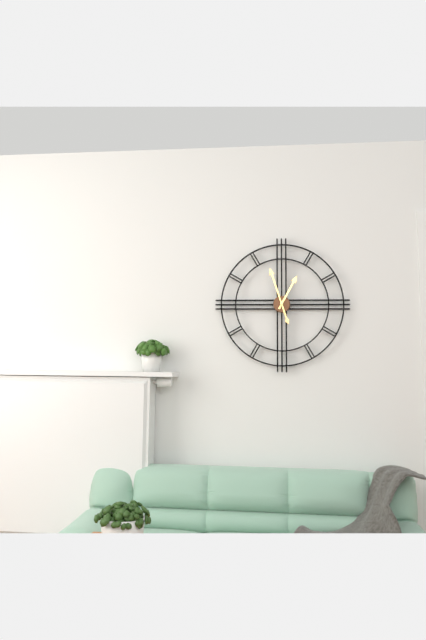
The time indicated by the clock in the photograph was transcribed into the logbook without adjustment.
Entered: 12:57
